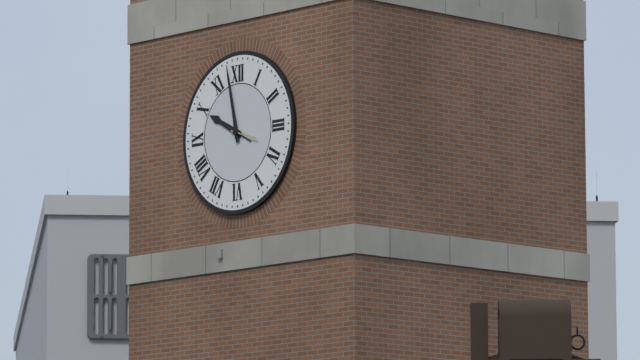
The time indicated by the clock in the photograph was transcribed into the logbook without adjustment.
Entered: 9:58
